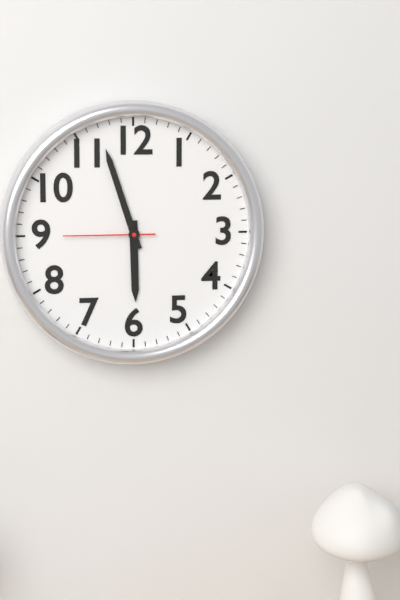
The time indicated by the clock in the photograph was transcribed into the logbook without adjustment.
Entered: 5:57:45
